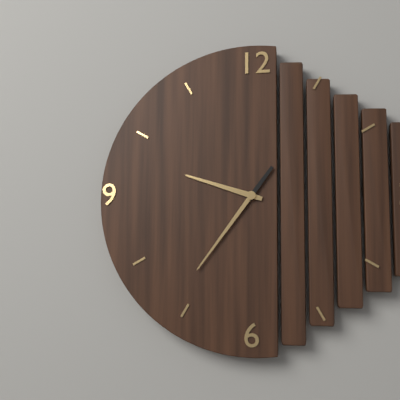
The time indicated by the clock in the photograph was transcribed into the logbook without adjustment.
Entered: 9:36
